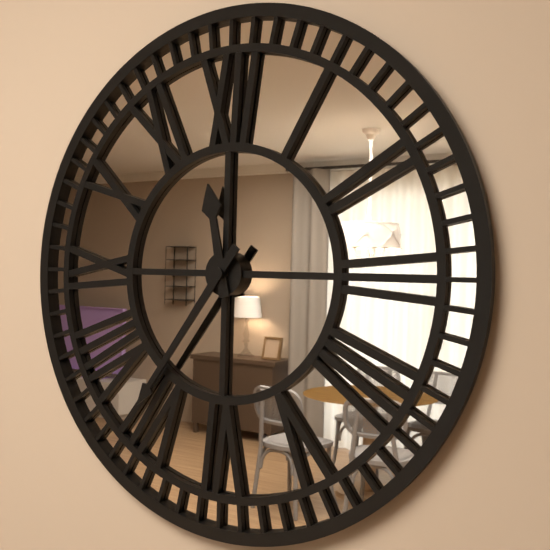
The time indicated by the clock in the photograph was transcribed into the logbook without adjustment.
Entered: 11:36
